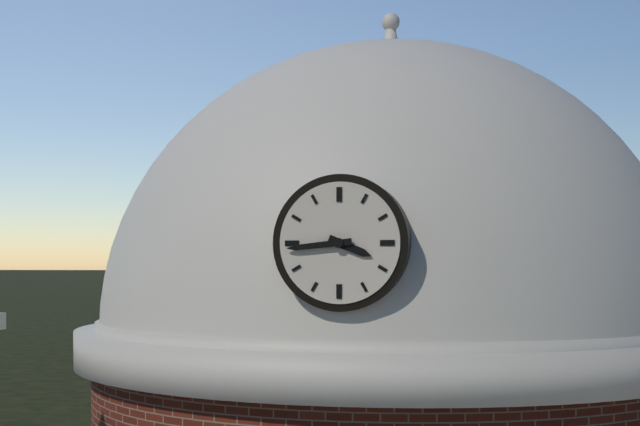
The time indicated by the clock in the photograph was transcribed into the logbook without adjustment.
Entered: 3:44
